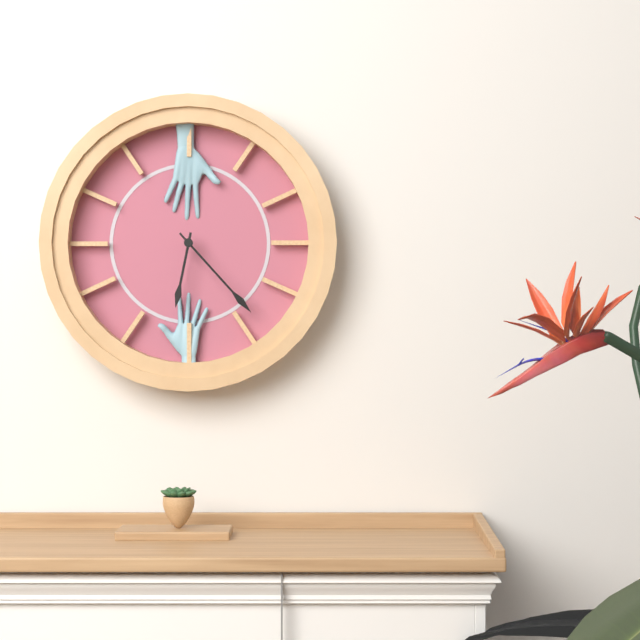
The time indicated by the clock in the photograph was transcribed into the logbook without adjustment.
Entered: 6:23
